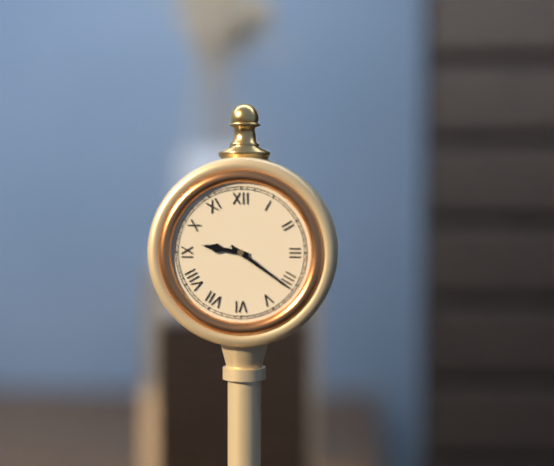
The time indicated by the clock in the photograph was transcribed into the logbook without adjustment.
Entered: 9:21
